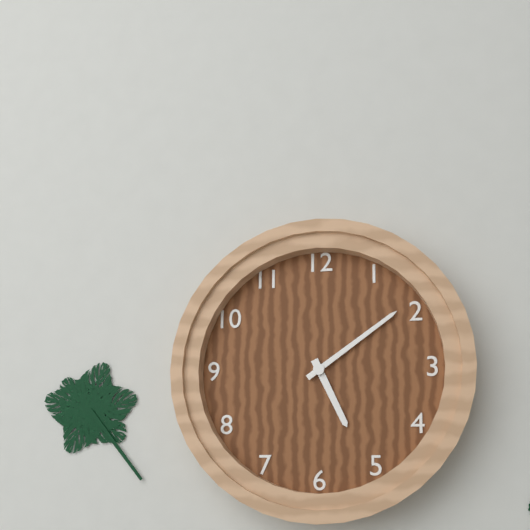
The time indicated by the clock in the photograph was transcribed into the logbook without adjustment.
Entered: 5:09
